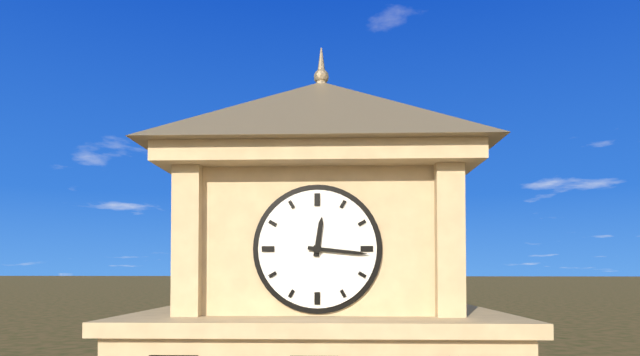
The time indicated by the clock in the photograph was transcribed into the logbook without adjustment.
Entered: 12:16
